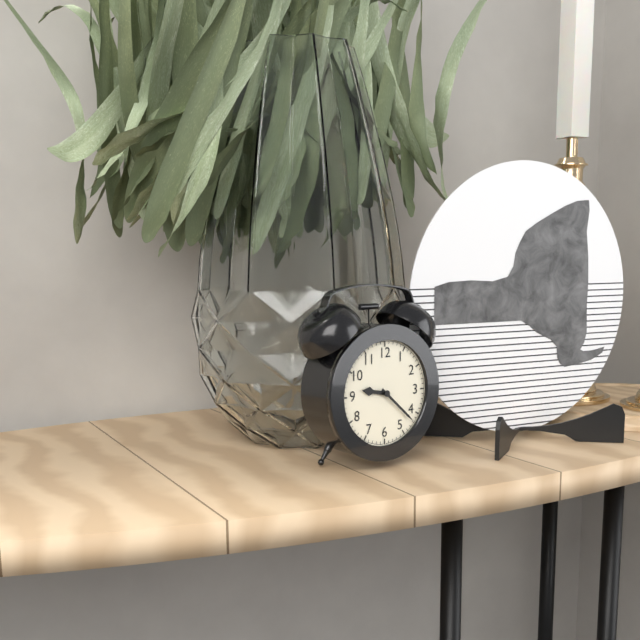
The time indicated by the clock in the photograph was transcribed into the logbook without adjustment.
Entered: 9:22
